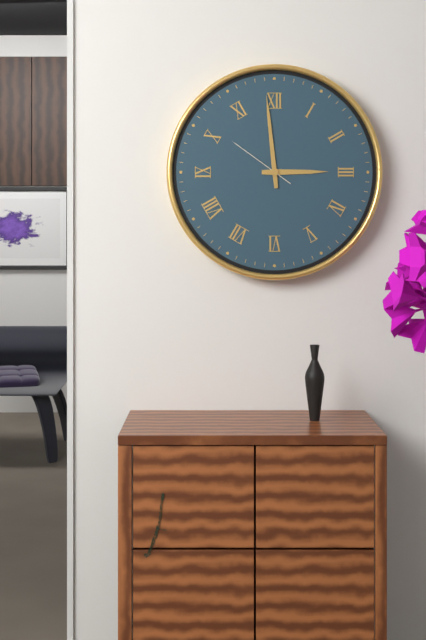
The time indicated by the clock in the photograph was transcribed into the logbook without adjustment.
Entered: 2:59:51
